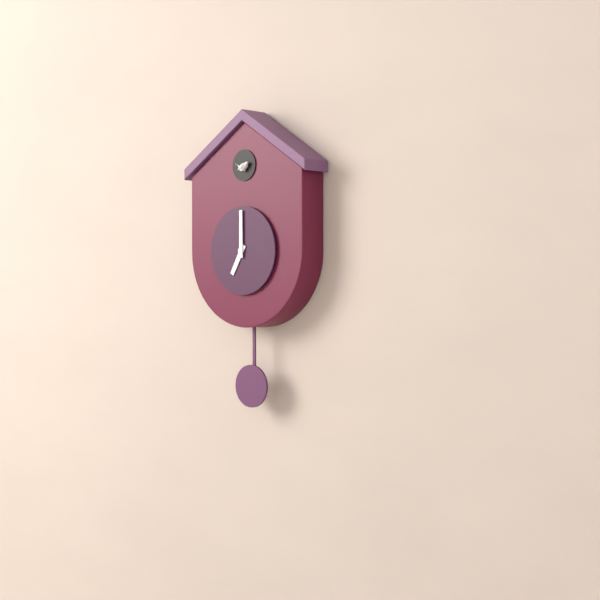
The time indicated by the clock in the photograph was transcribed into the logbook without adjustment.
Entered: 7:00
